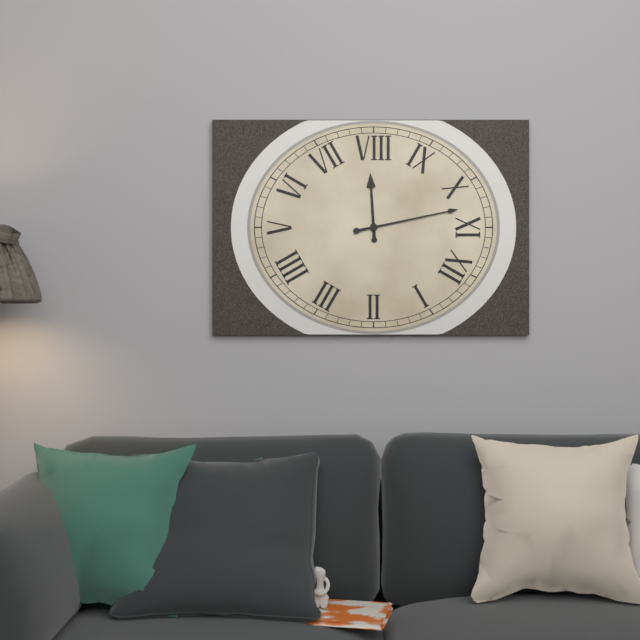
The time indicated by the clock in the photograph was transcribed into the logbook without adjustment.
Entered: 7:53
